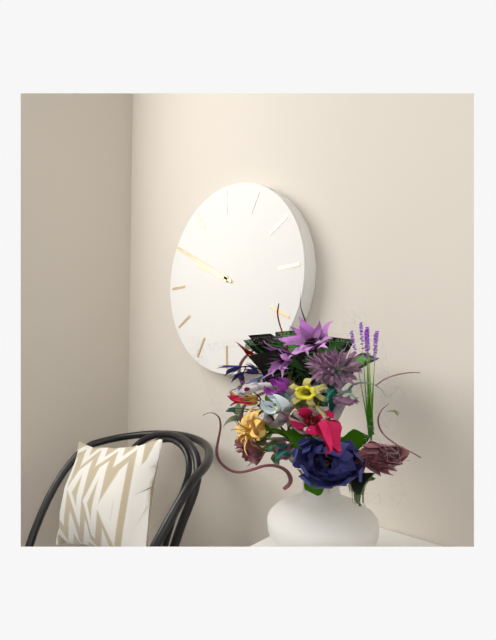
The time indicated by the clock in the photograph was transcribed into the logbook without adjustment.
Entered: 9:50
